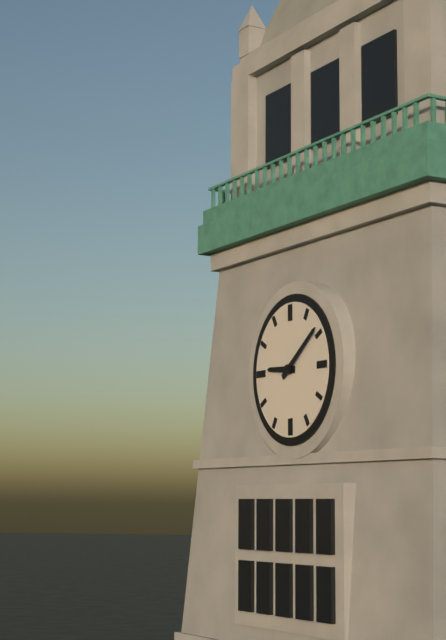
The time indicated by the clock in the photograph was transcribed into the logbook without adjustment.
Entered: 9:09
